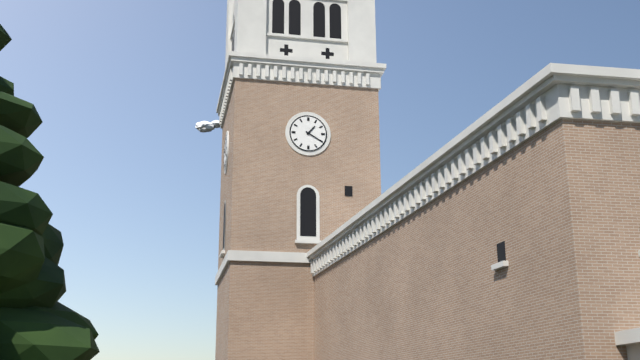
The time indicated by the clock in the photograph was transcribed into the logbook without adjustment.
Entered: 1:20
